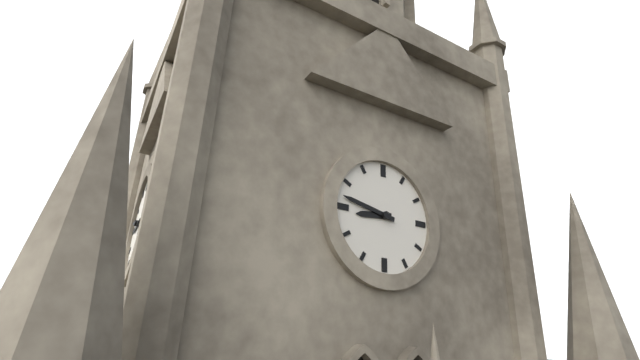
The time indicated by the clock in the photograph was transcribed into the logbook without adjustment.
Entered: 8:47
